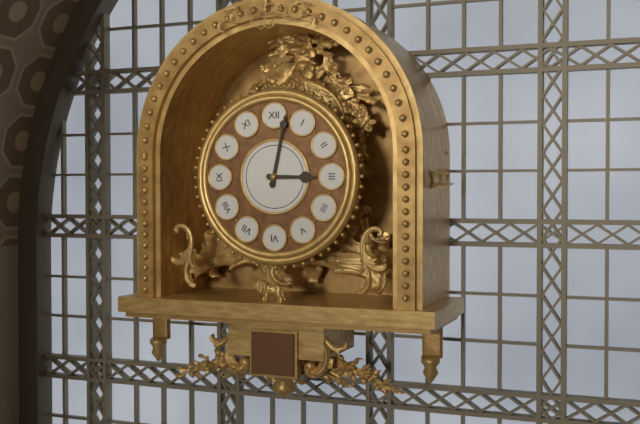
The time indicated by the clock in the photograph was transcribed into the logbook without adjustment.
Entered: 3:02
